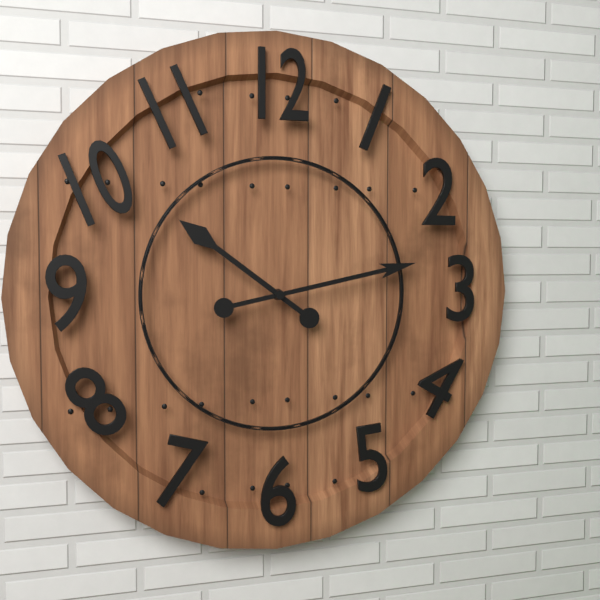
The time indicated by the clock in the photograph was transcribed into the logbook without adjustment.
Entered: 10:13
